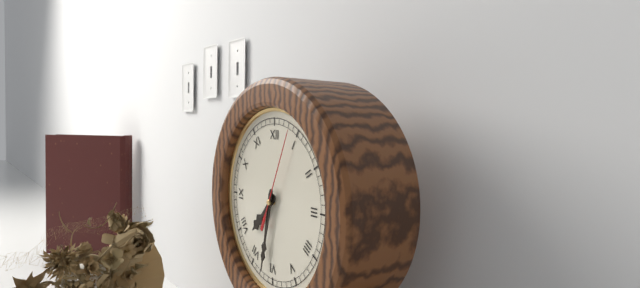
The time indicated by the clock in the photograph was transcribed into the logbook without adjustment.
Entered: 7:32:04
